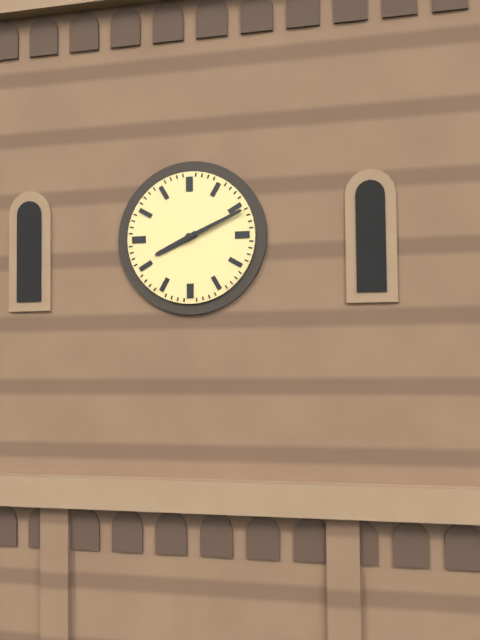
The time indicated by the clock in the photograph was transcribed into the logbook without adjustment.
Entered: 8:11
